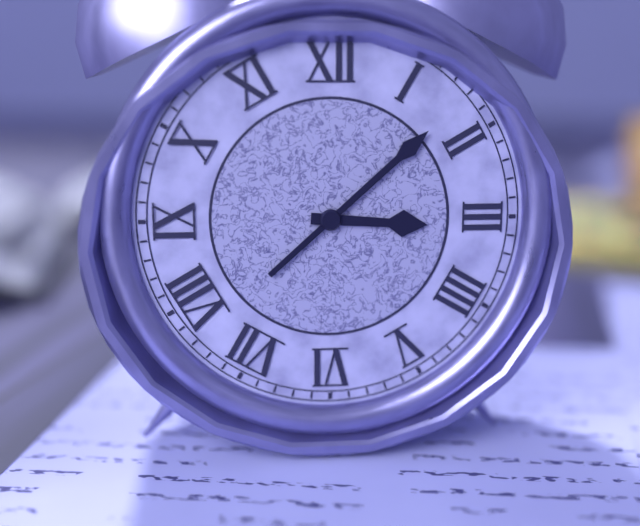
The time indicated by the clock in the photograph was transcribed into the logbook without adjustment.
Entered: 3:08
